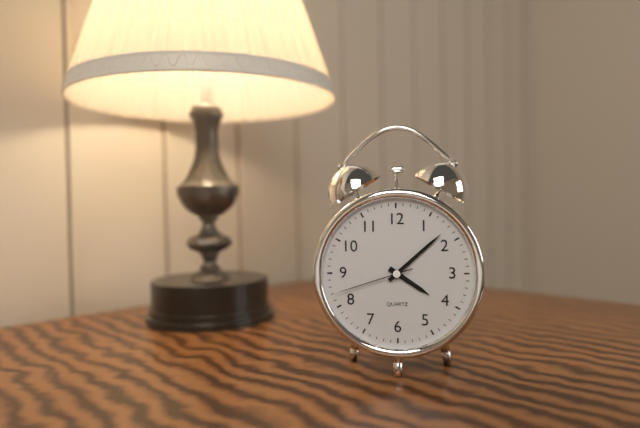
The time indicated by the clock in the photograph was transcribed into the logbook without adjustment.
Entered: 4:08:42
